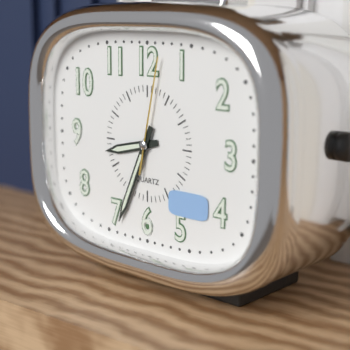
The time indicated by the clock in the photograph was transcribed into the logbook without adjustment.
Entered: 8:34:02
